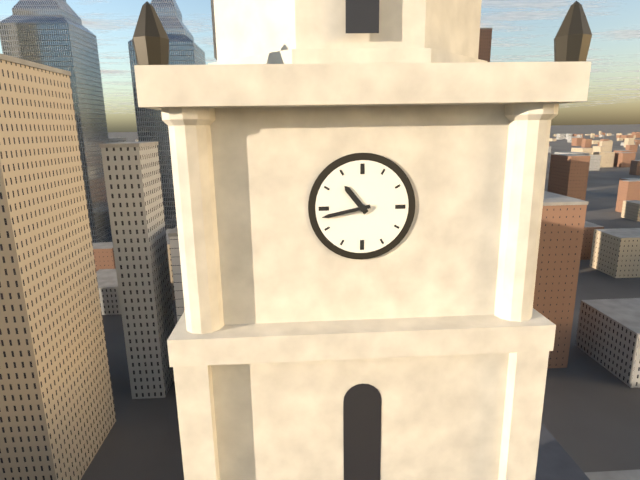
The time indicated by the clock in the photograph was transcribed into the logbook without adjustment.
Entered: 10:43
